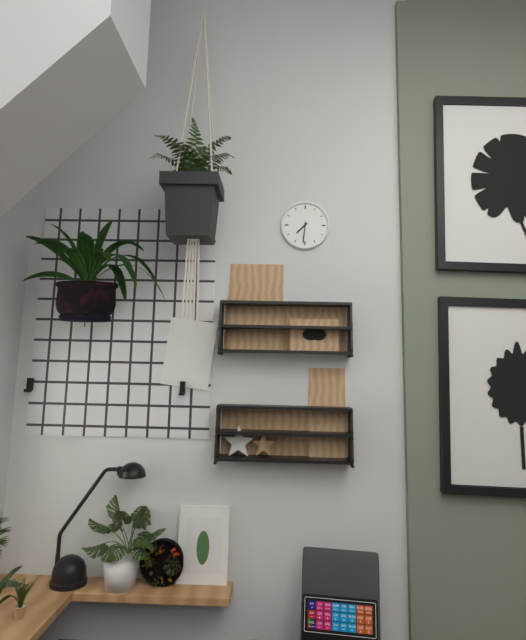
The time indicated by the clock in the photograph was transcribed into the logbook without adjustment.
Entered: 7:31
